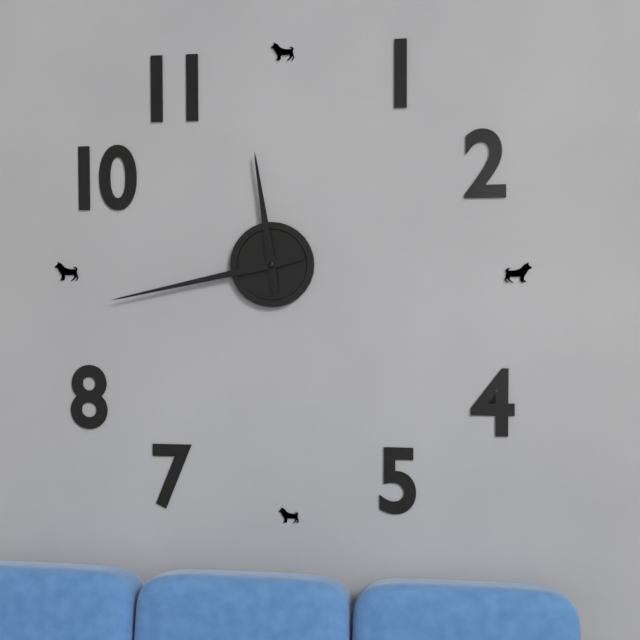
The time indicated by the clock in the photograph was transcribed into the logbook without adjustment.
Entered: 11:43
